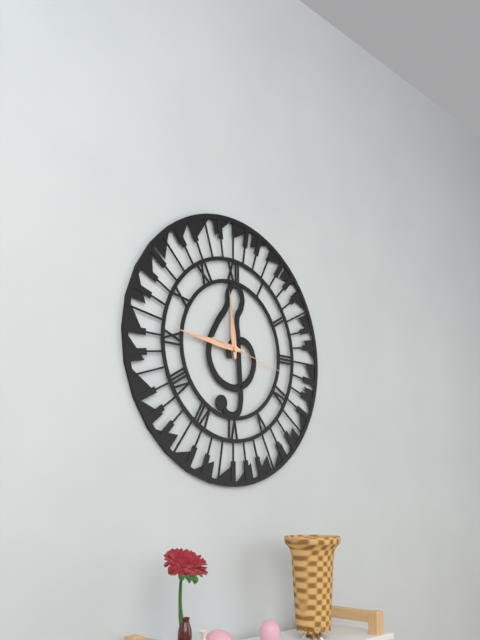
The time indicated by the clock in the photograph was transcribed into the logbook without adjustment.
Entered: 11:46:17
